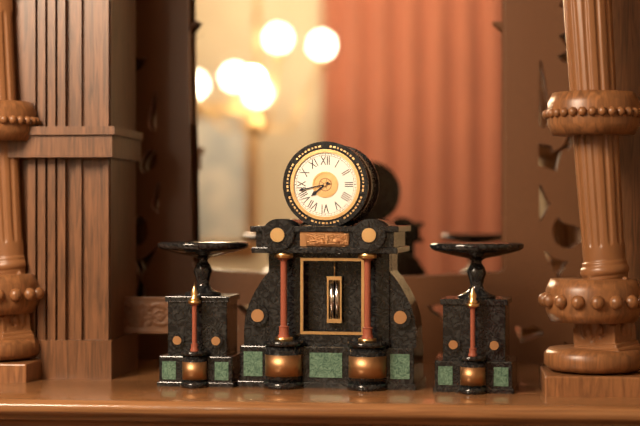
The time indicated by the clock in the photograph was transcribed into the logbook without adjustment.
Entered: 7:43
